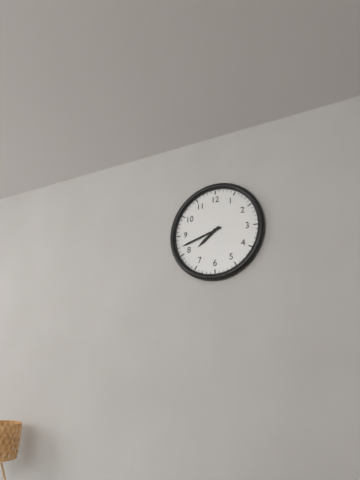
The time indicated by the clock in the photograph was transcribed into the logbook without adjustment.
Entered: 7:42
